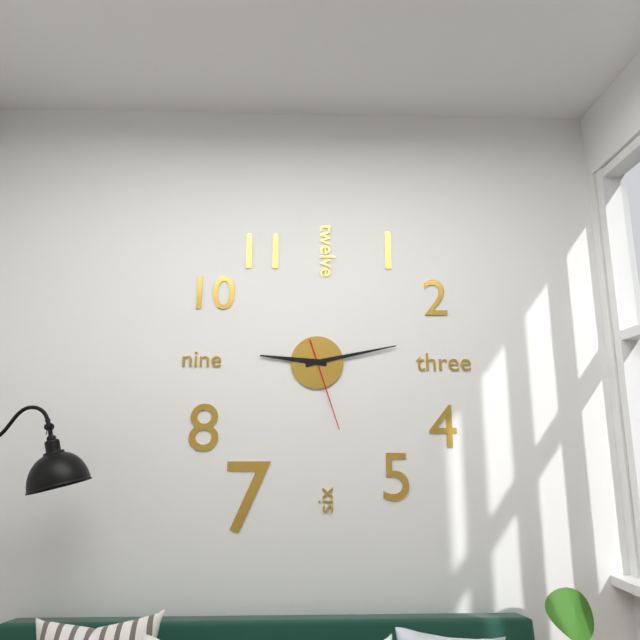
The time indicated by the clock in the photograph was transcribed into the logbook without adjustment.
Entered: 9:13:27
